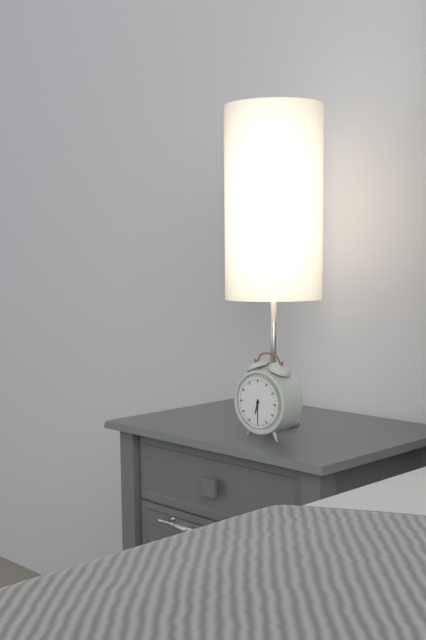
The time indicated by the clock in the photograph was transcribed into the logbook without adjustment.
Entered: 6:30
